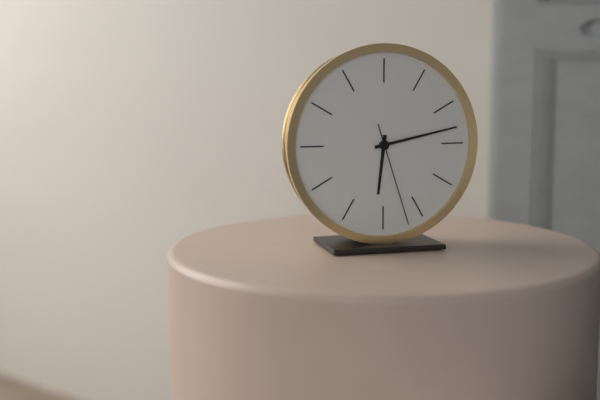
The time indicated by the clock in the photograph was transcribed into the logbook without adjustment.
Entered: 6:13:27
